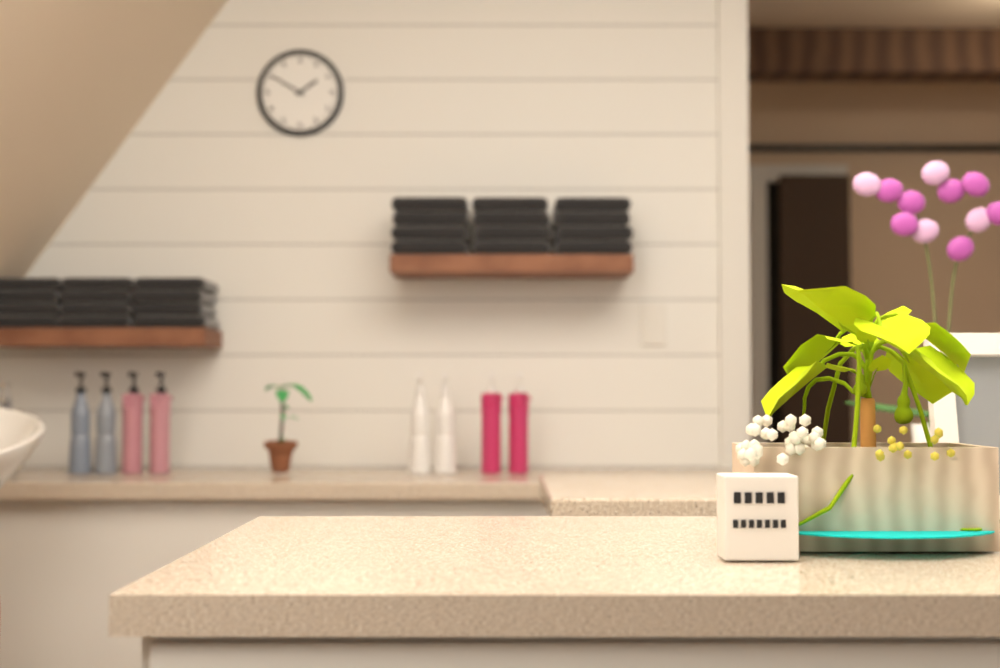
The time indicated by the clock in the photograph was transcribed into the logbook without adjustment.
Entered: 1:50
